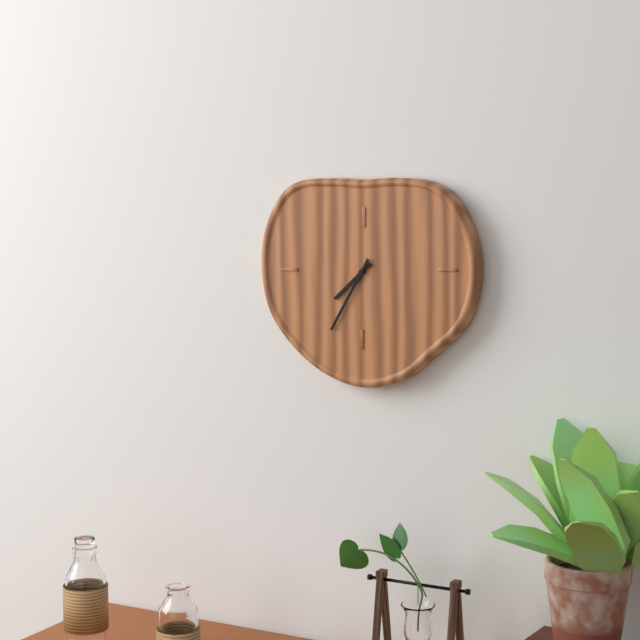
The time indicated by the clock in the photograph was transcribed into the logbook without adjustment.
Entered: 7:35
